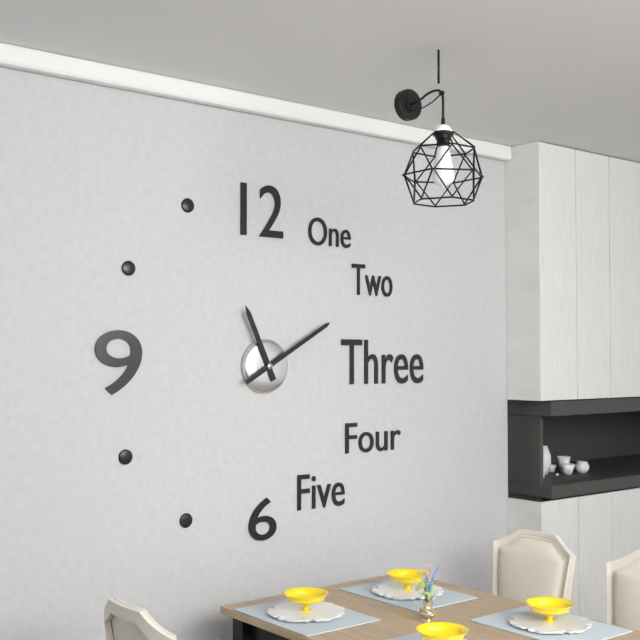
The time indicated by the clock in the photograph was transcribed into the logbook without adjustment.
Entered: 11:10
